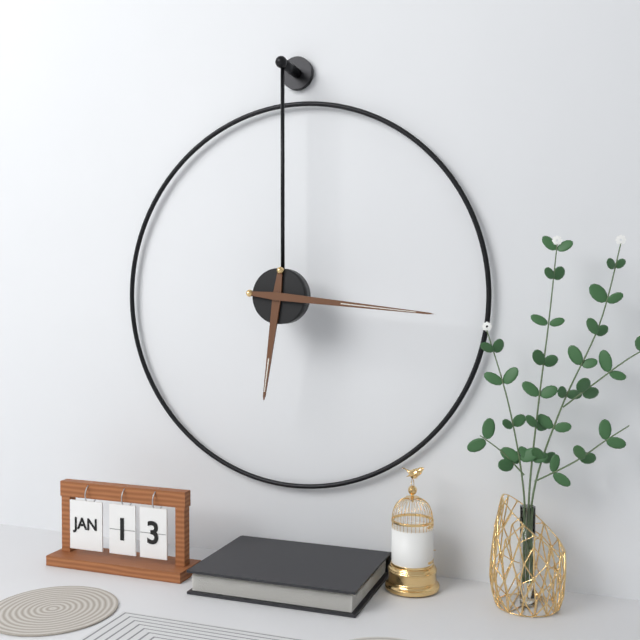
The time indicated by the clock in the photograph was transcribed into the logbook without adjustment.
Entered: 6:16
